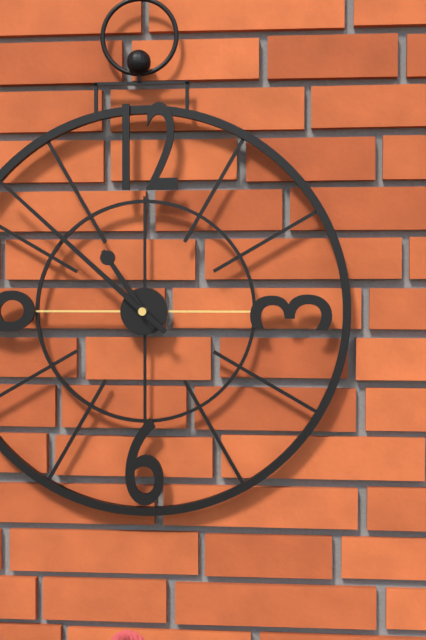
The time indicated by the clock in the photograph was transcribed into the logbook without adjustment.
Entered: 10:52
